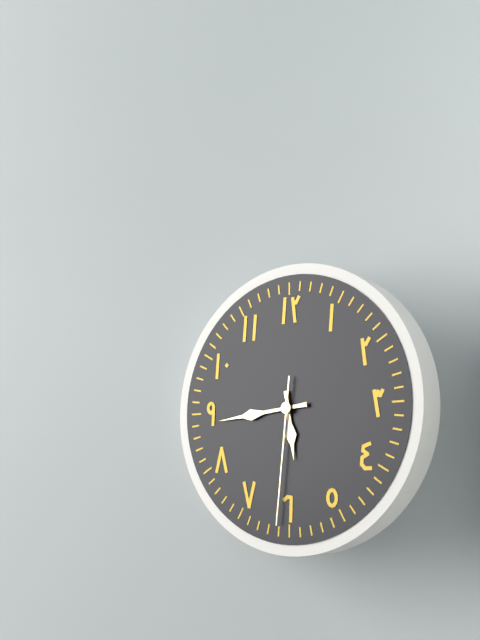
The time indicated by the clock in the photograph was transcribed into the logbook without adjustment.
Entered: 5:44:31
